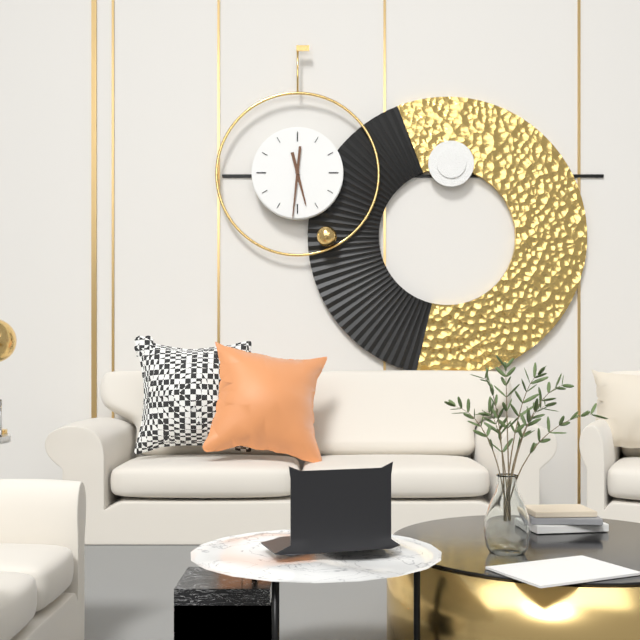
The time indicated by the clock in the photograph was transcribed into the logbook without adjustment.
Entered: 5:31
